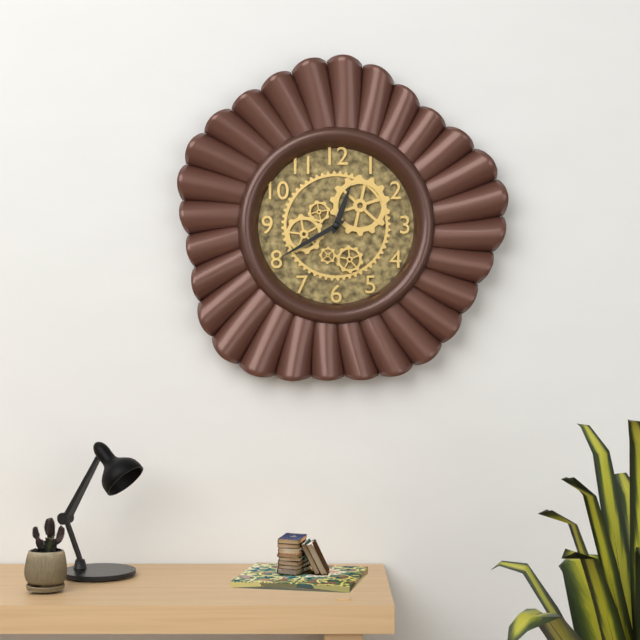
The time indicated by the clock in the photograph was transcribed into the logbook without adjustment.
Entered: 12:40
